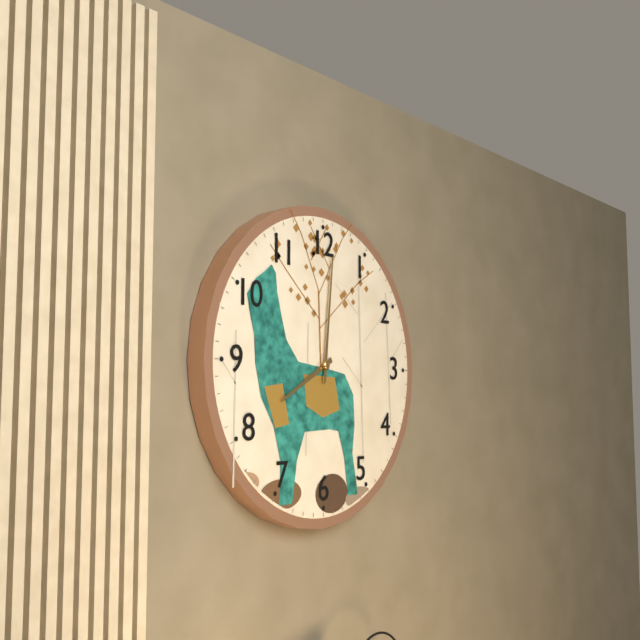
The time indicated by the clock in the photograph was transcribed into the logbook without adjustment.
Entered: 8:01
